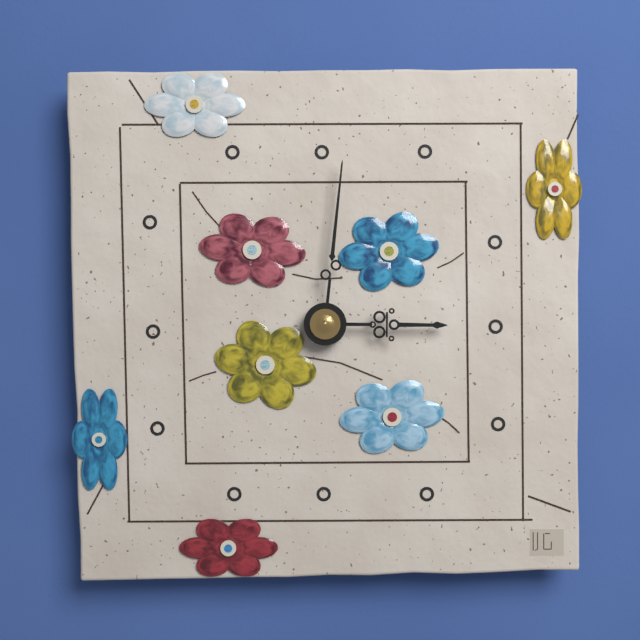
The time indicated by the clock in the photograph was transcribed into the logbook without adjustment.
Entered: 3:01
